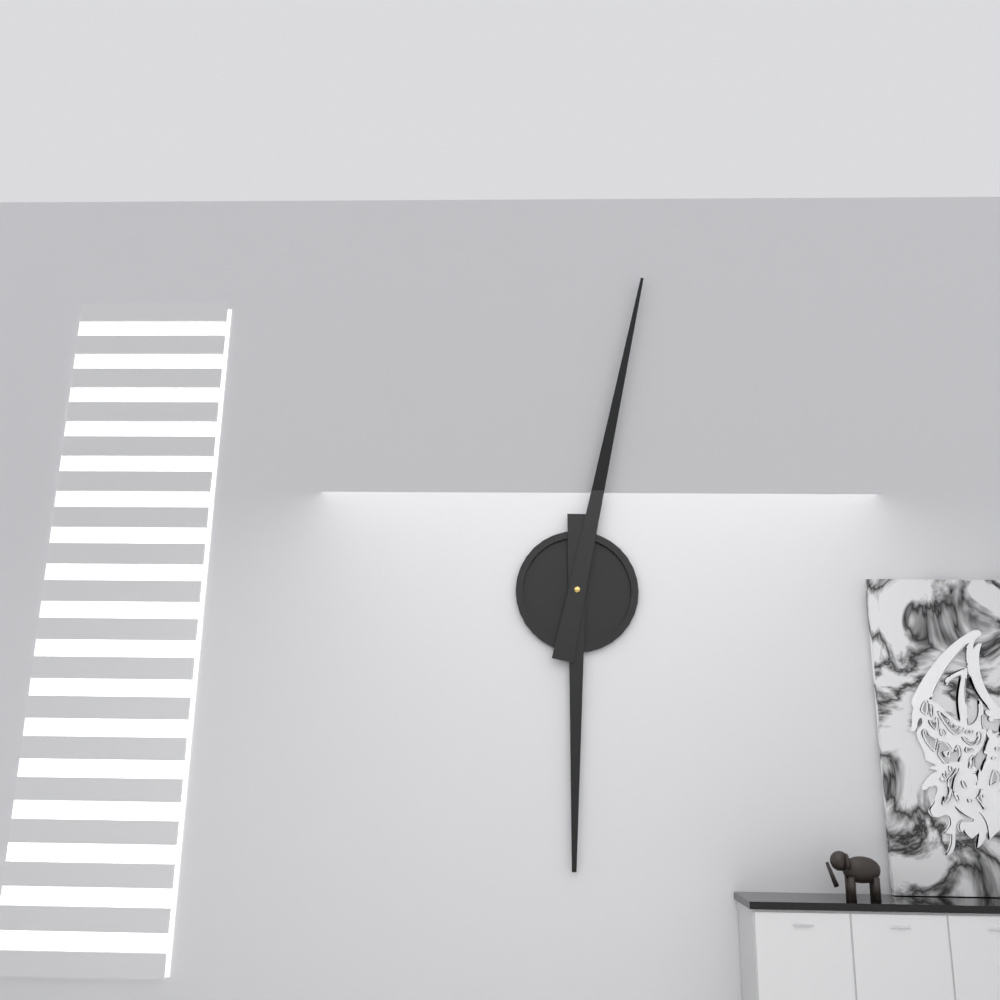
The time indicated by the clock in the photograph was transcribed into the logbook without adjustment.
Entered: 6:02
